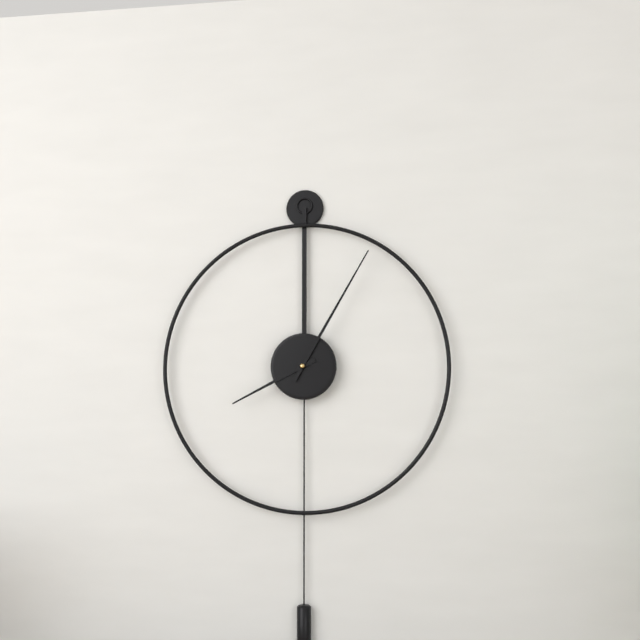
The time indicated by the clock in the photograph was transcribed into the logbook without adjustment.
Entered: 8:05
